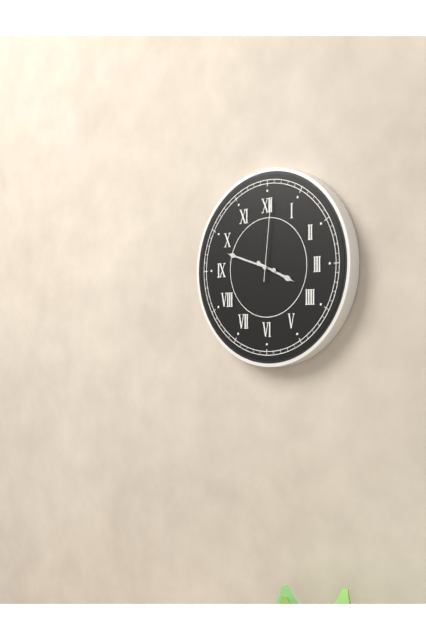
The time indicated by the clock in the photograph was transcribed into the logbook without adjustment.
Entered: 3:48:01
